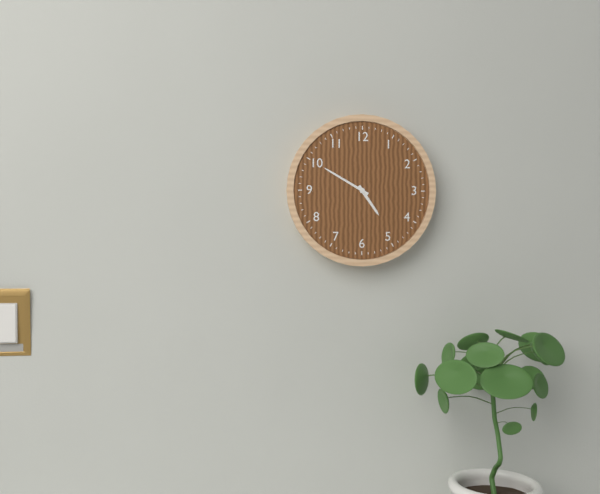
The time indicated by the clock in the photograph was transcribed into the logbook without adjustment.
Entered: 4:50
